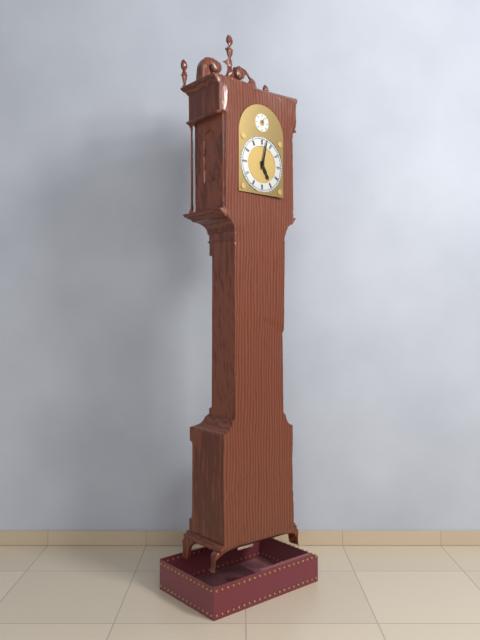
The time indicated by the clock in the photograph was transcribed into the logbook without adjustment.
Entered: 5:02
